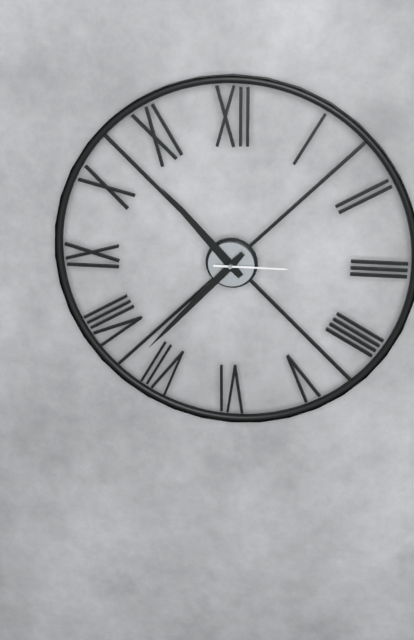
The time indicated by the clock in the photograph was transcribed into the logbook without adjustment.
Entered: 10:37:15
